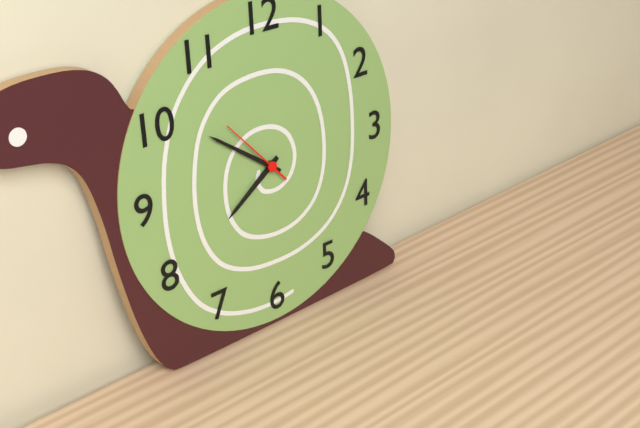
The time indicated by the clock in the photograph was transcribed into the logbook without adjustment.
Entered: 7:51:53
